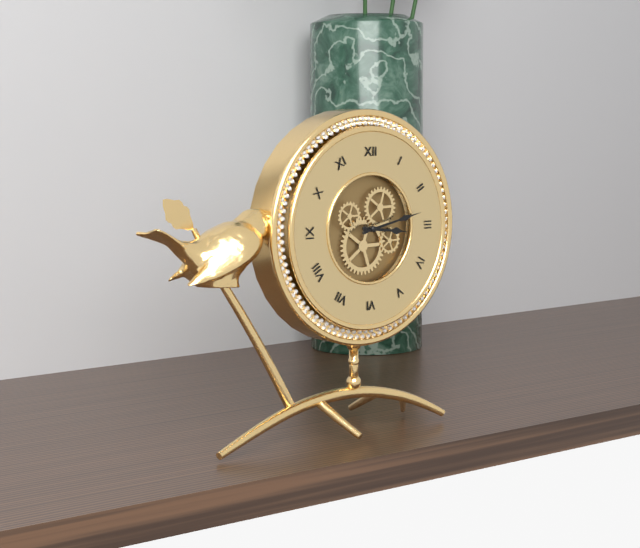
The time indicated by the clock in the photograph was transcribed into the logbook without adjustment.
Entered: 3:13
